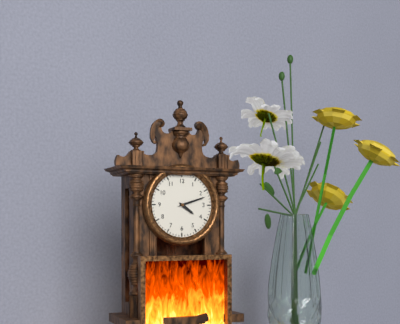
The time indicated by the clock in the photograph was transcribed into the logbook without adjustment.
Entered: 4:12
